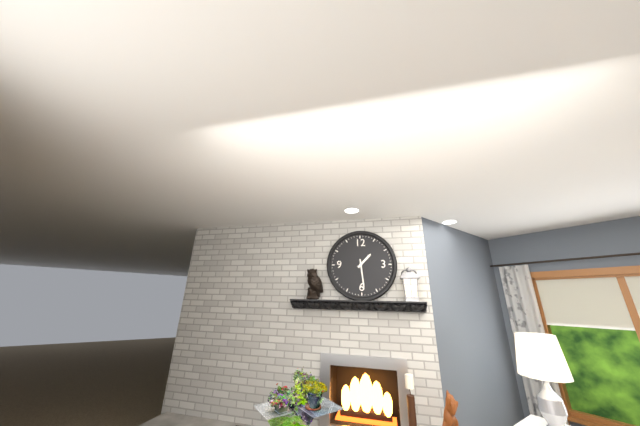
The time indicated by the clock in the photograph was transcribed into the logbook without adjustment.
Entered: 1:29
